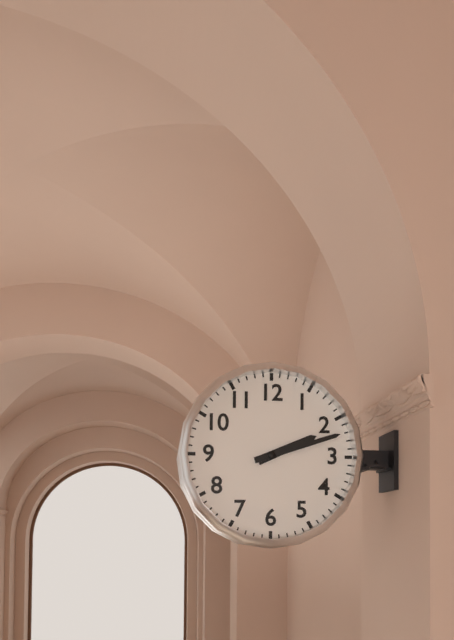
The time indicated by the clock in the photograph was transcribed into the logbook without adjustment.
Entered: 2:12
